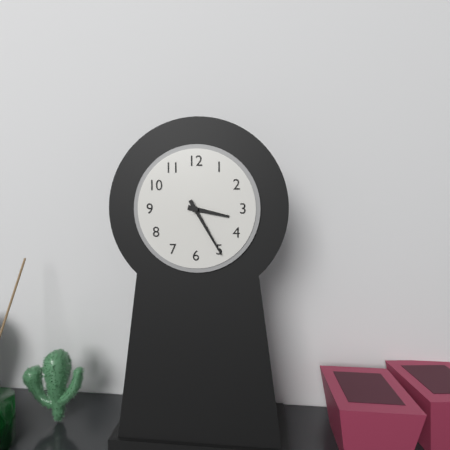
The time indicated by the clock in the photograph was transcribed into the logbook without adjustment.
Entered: 3:25
